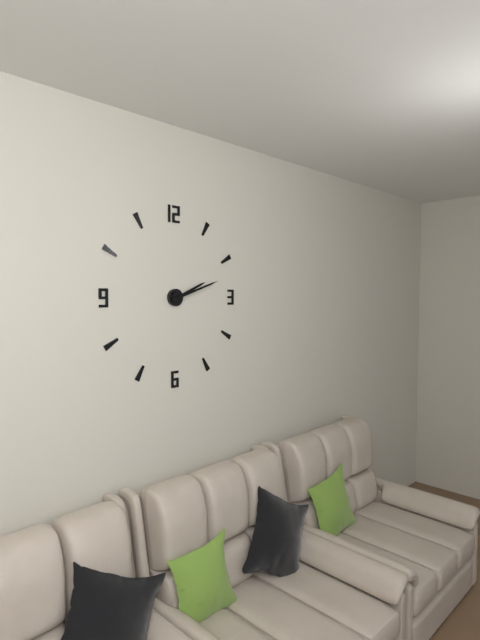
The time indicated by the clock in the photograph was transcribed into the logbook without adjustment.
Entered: 2:12
